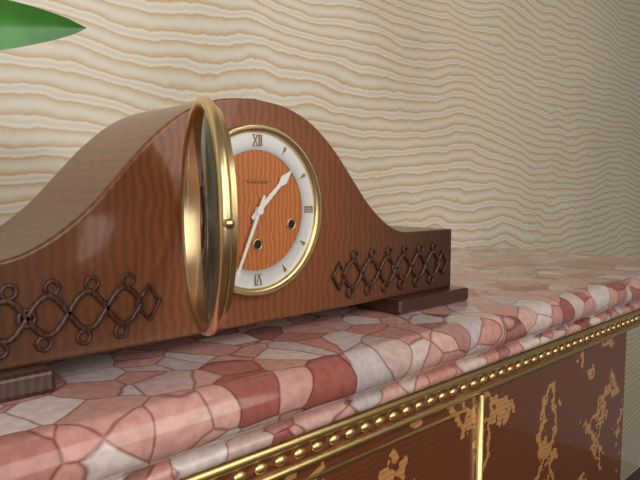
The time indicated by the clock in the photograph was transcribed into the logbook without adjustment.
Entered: 1:34
